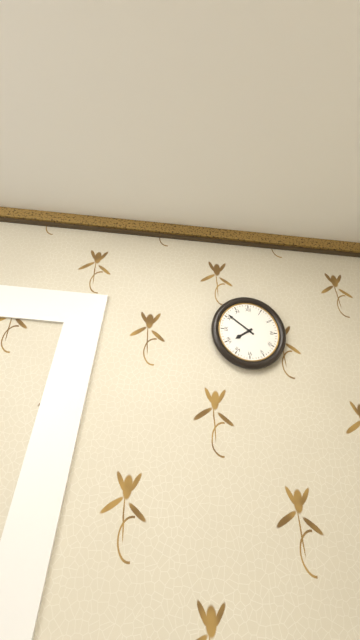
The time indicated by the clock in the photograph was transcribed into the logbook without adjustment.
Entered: 7:51
